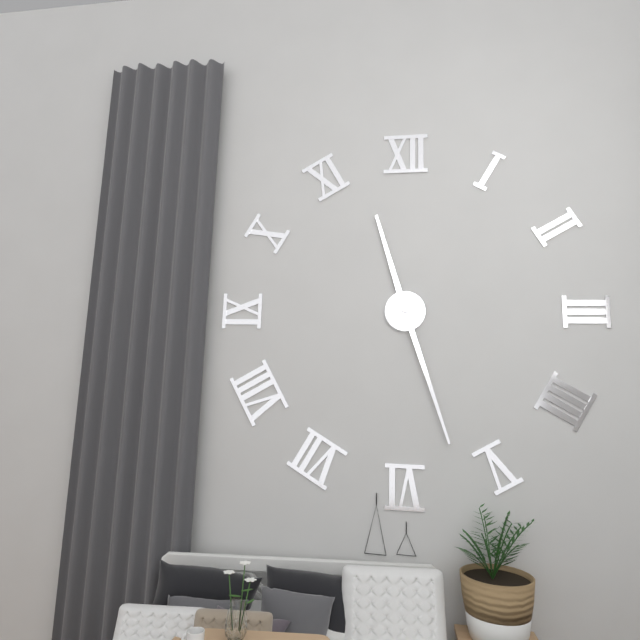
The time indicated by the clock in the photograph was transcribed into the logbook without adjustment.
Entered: 11:27
